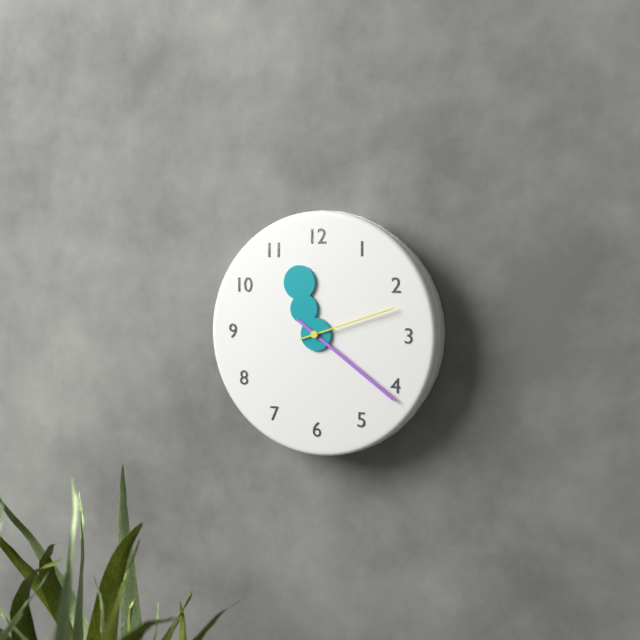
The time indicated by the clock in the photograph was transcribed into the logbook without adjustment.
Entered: 11:21:12
